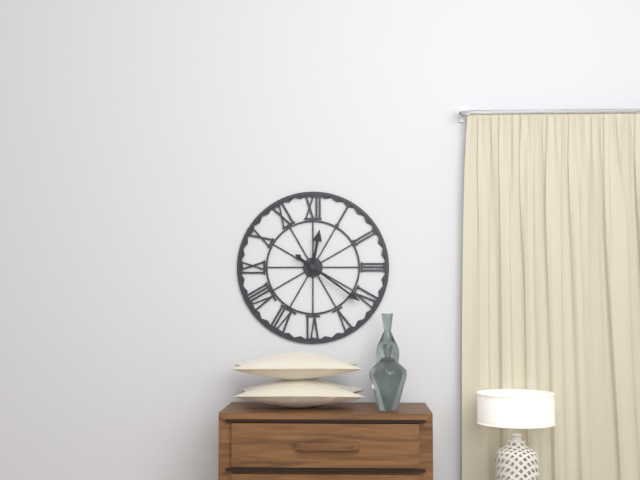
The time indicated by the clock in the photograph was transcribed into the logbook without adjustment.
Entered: 12:21
